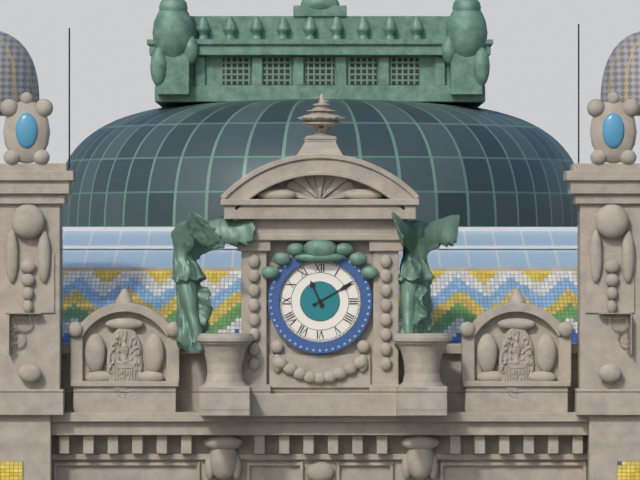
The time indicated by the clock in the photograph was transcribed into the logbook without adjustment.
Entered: 11:10
